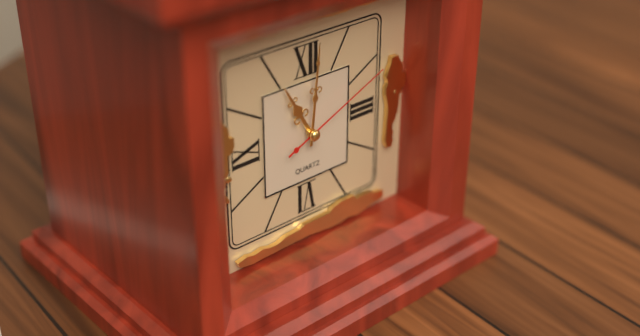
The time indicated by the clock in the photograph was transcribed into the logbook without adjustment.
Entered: 11:01:11
